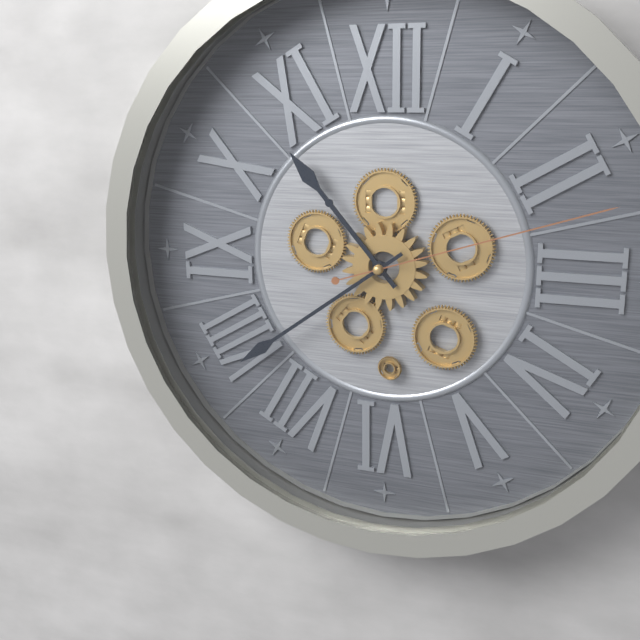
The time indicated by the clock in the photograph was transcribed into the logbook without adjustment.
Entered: 10:39:12
